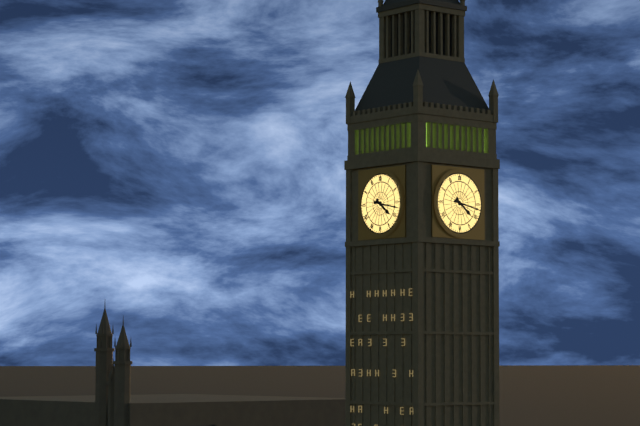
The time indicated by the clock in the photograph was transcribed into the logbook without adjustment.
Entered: 4:17
